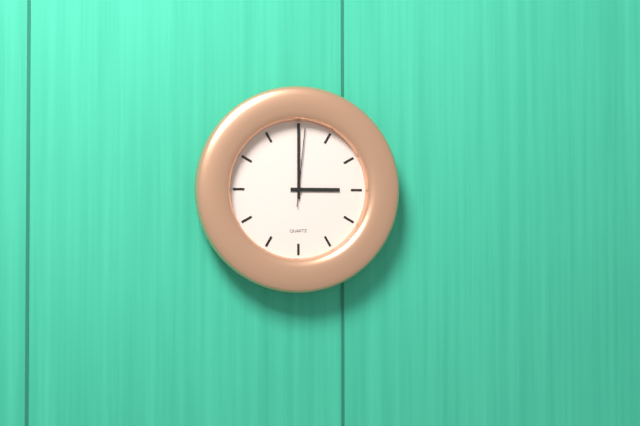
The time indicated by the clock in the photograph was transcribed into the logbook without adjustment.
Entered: 3:00:01
